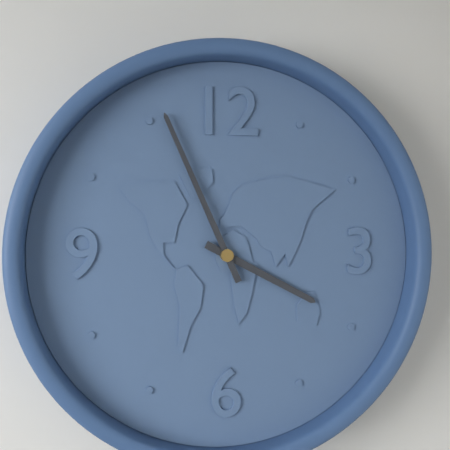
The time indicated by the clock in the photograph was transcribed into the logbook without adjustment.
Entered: 3:56
